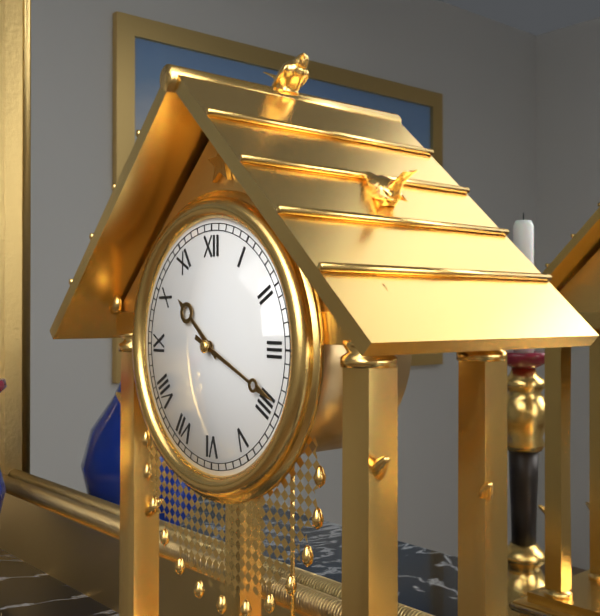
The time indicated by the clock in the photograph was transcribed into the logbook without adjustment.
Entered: 10:19
